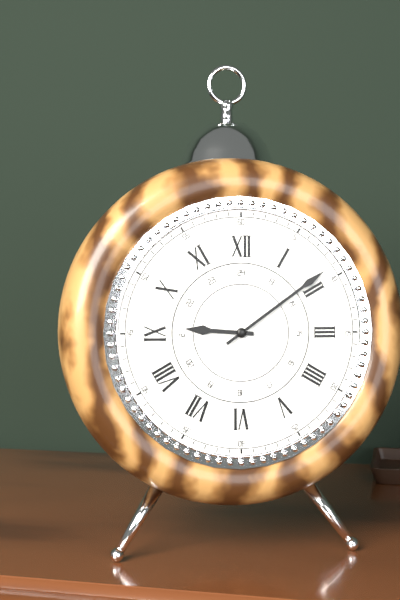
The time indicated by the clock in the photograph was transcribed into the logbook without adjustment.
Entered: 9:09
